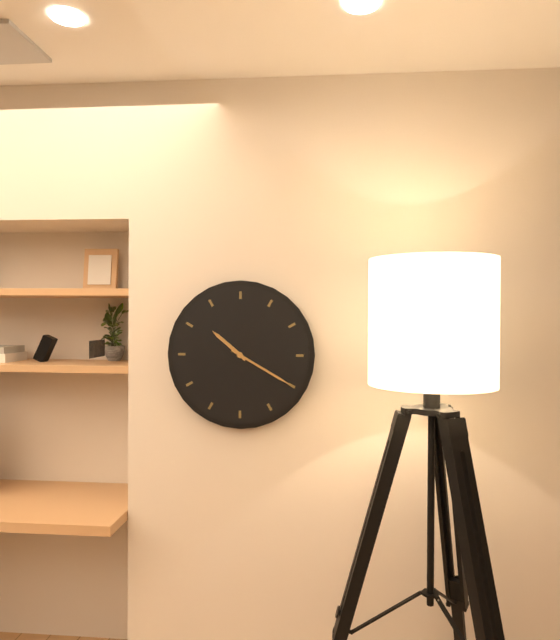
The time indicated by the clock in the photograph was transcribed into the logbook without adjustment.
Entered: 10:20
